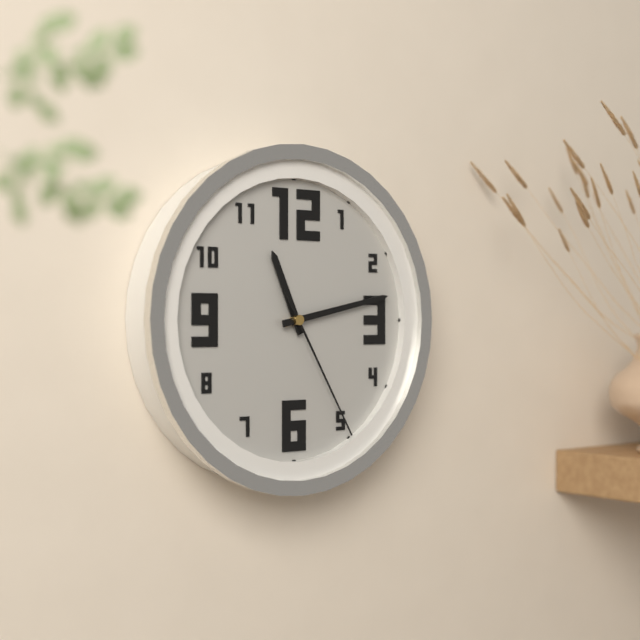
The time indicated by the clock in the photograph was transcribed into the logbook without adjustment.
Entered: 11:13:25
